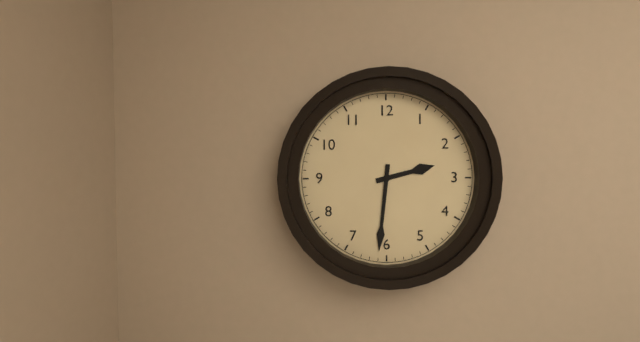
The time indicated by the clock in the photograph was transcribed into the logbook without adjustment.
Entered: 2:31
